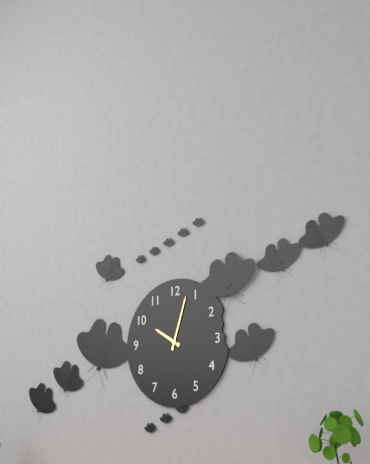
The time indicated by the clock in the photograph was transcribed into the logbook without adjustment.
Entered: 10:03
